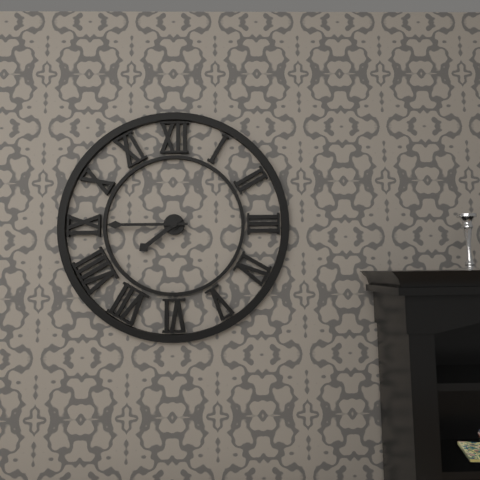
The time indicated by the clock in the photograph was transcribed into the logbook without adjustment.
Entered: 7:45
